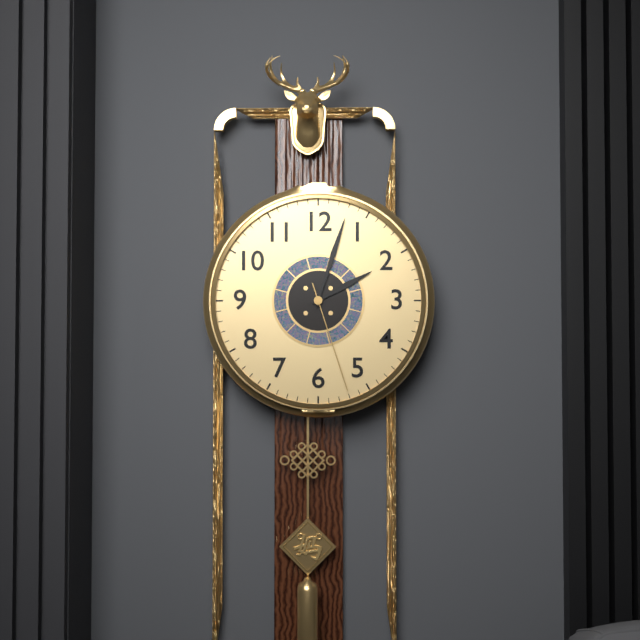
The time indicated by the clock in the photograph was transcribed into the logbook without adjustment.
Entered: 2:03:27
